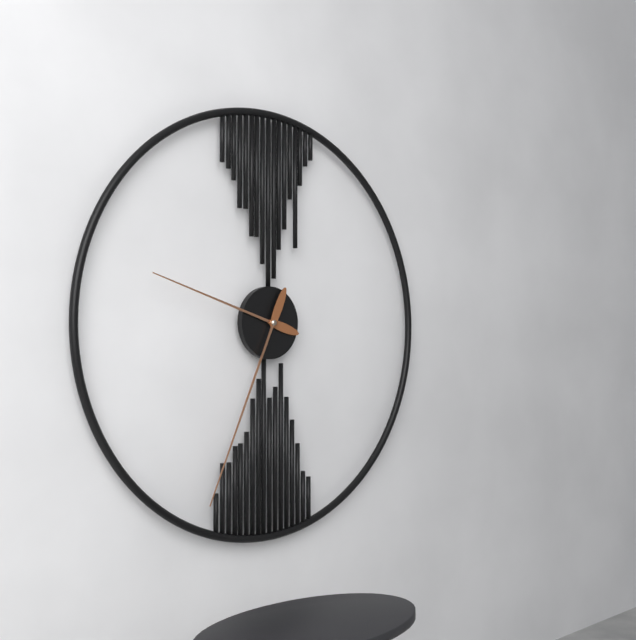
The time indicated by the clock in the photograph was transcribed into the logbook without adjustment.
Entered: 9:34
